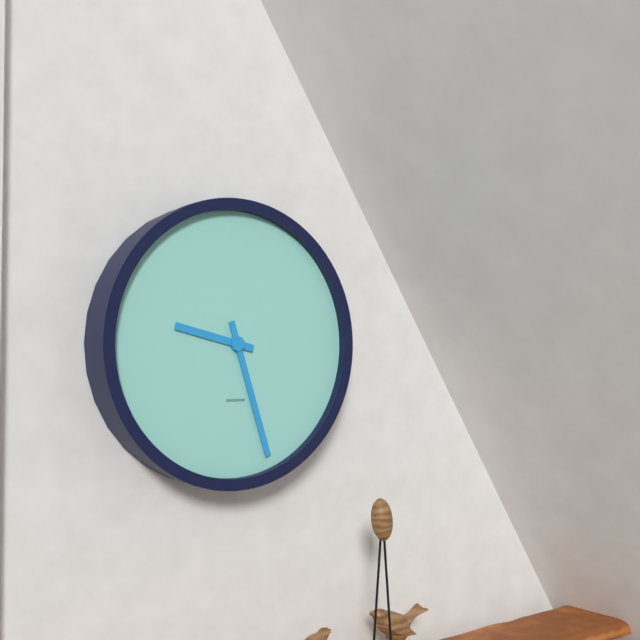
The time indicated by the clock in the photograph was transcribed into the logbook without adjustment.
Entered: 9:27
